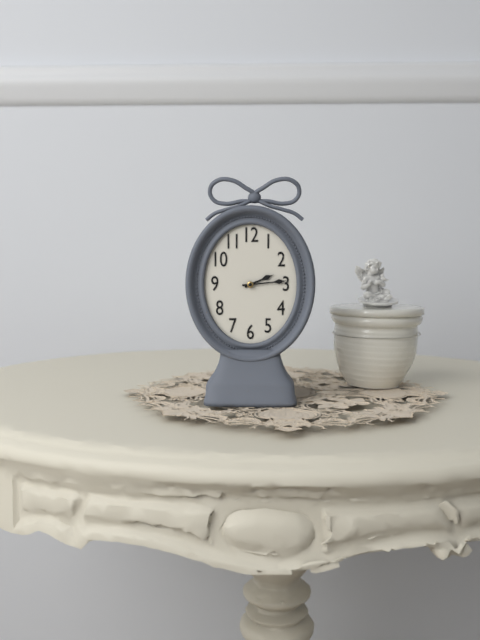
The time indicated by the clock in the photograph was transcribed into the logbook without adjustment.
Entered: 2:14
